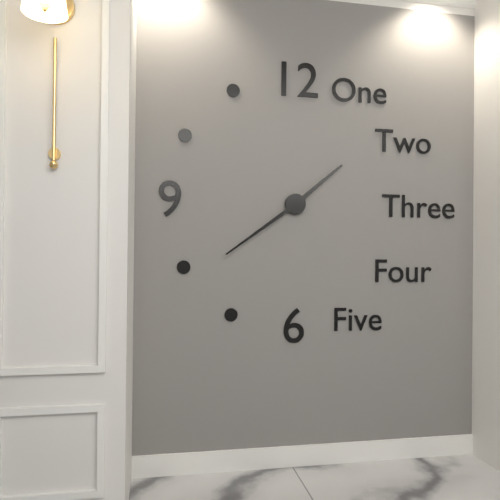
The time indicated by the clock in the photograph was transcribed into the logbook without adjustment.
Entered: 1:39
